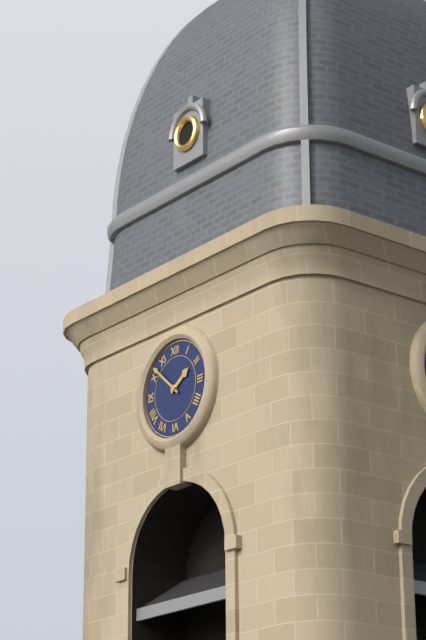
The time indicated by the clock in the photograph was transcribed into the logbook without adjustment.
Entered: 1:52
